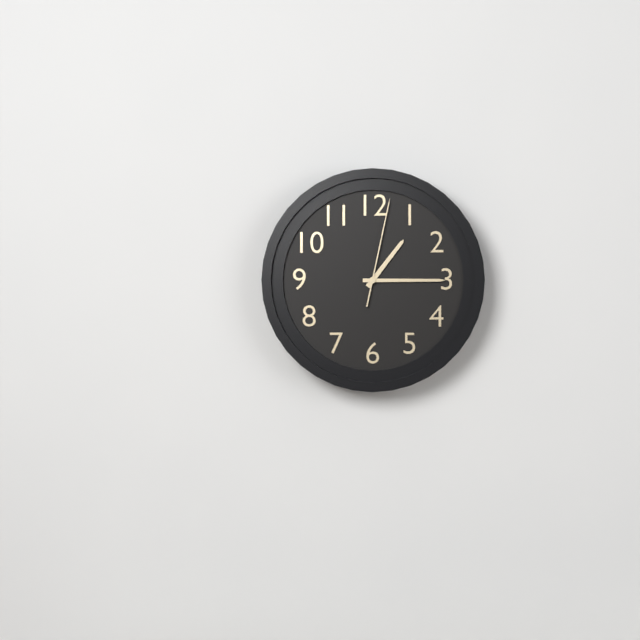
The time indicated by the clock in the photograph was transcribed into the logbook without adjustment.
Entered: 1:15:02
